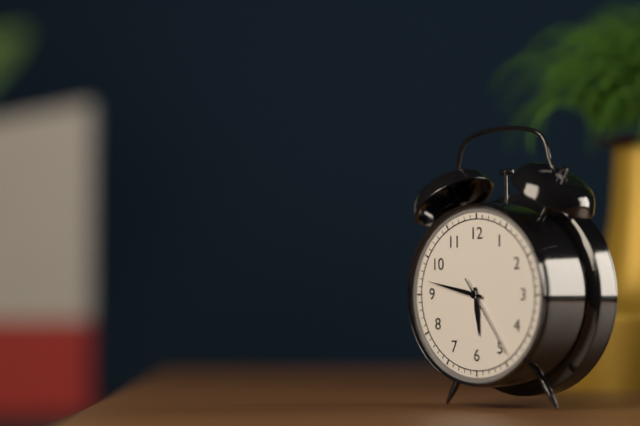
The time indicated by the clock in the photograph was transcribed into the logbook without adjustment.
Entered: 5:47:24
